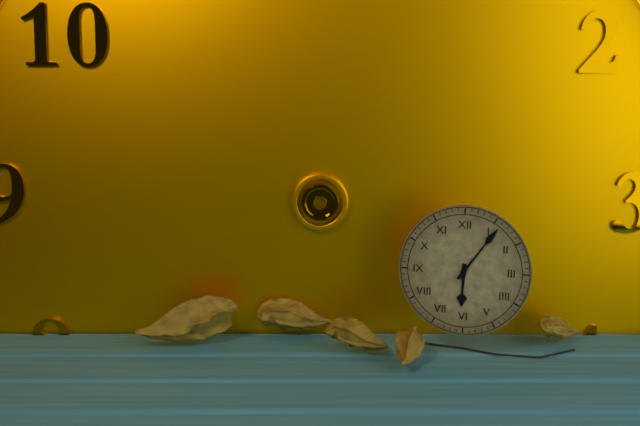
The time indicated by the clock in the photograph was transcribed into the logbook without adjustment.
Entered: 6:06
